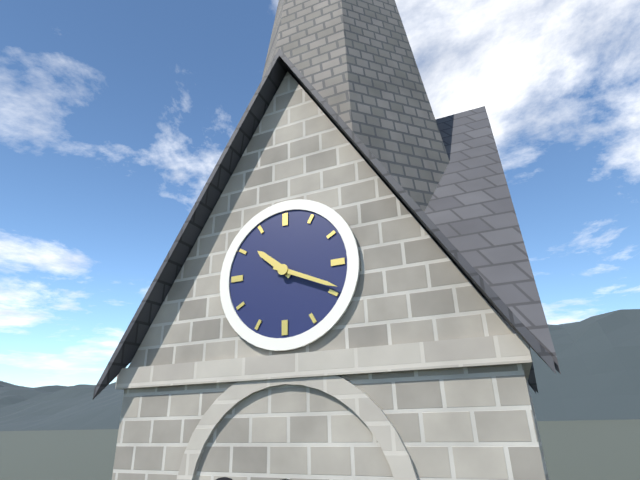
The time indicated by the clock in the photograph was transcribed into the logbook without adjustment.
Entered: 10:19
